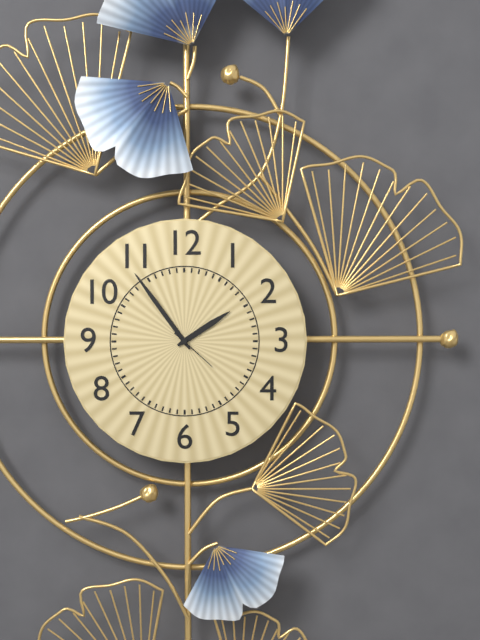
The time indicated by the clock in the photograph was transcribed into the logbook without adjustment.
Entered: 1:54
